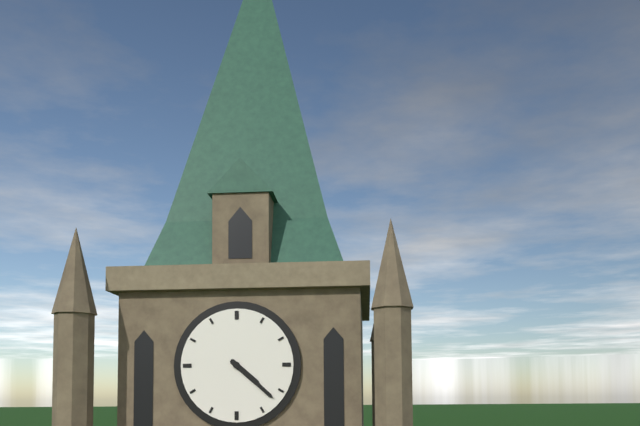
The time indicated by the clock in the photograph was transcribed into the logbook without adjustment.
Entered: 4:22
